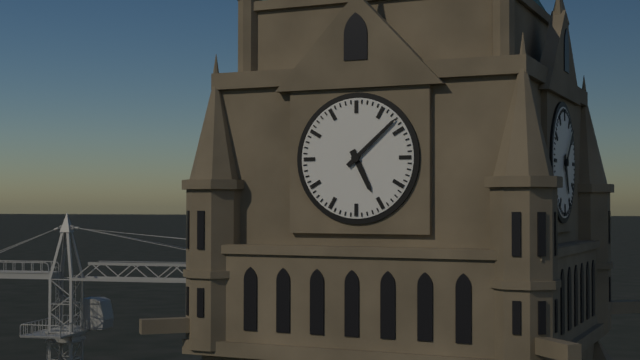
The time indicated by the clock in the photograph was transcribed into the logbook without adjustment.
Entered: 5:08
